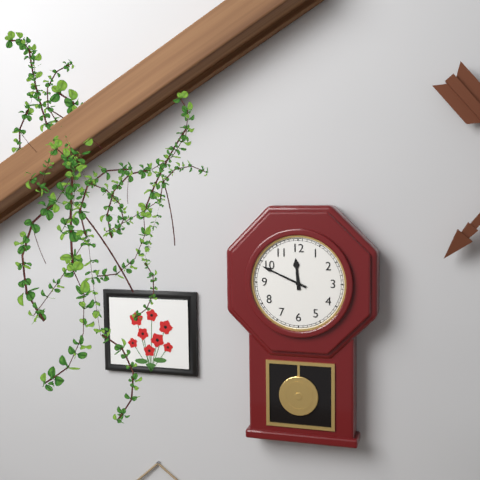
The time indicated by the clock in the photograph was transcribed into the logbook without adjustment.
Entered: 11:49
